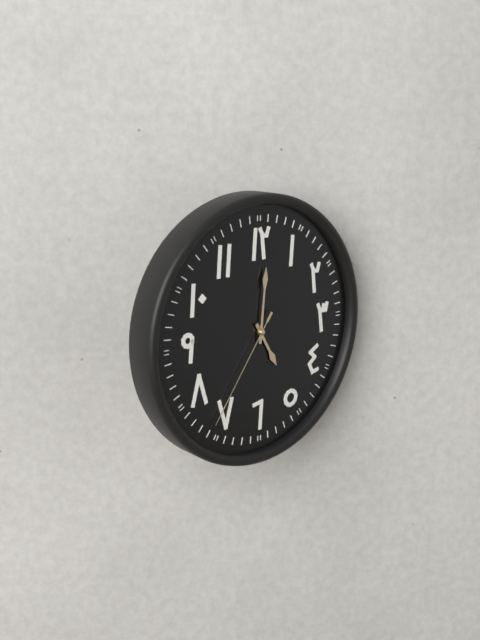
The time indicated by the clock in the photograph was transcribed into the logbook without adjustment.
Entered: 5:01:36
